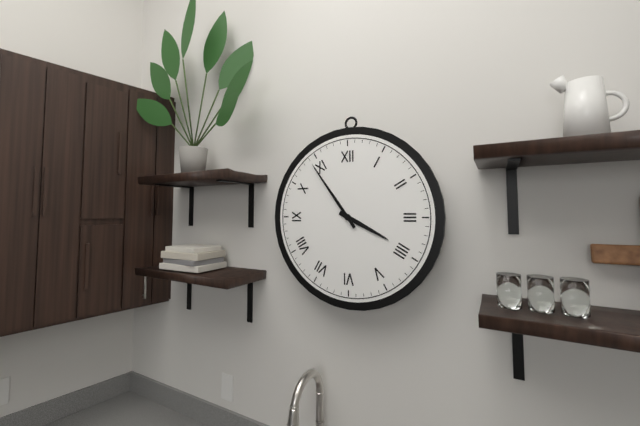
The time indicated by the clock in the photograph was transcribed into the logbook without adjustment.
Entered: 3:54
